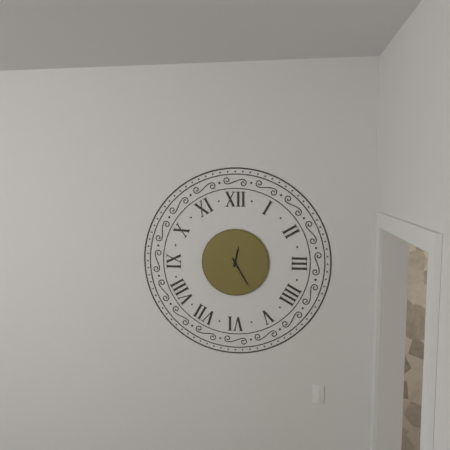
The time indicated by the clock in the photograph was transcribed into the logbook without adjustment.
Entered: 12:25
